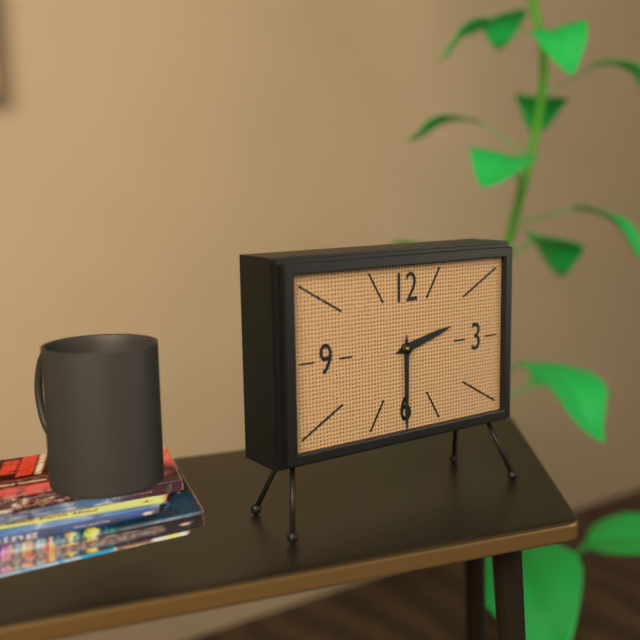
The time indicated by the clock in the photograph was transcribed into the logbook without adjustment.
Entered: 2:30
